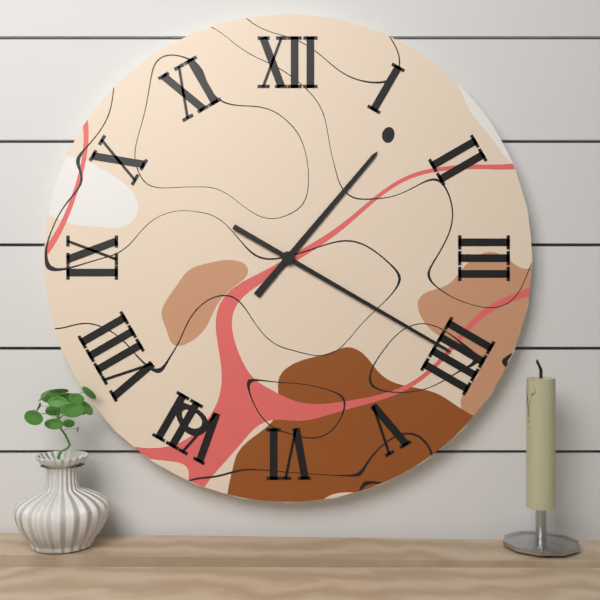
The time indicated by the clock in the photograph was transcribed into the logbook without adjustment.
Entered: 1:20
